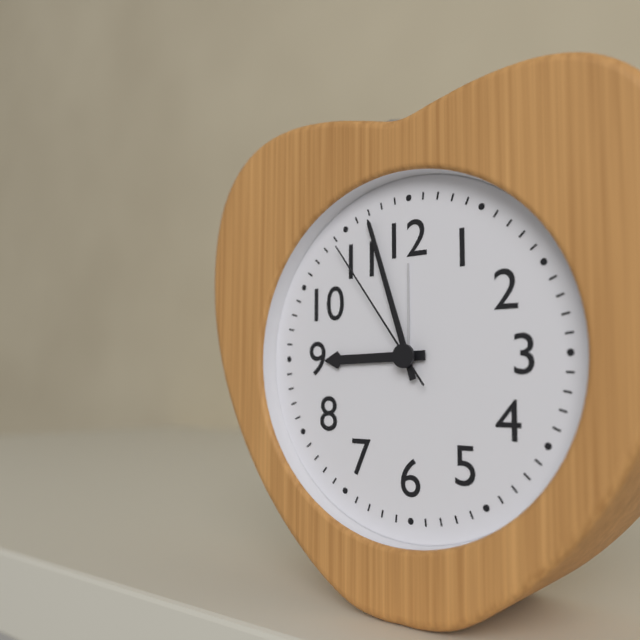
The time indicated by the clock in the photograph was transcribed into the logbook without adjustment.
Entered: 8:57:54
